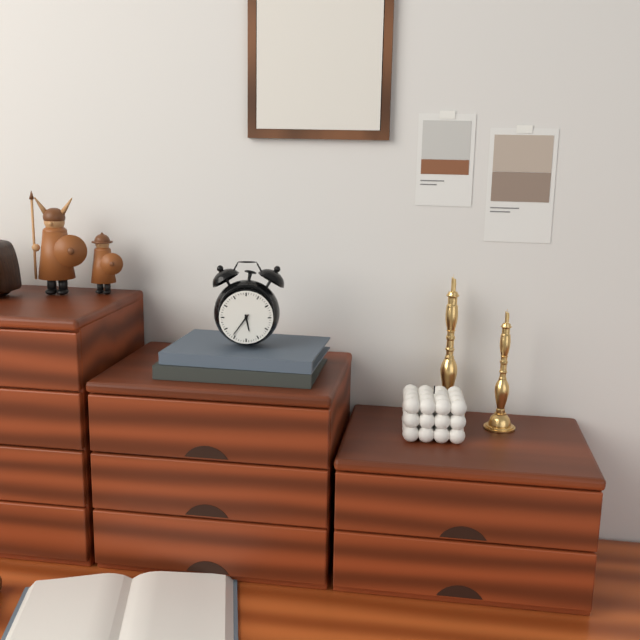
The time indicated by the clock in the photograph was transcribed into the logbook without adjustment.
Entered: 5:36
